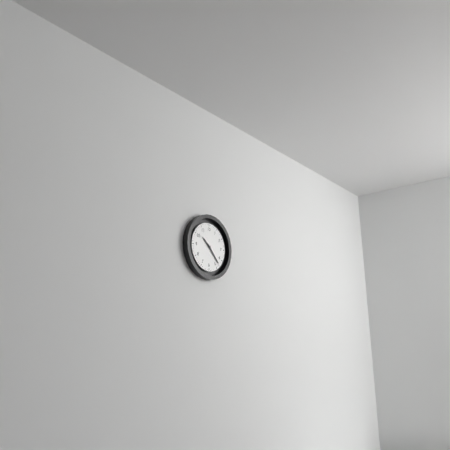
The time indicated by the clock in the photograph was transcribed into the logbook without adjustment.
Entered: 10:23
